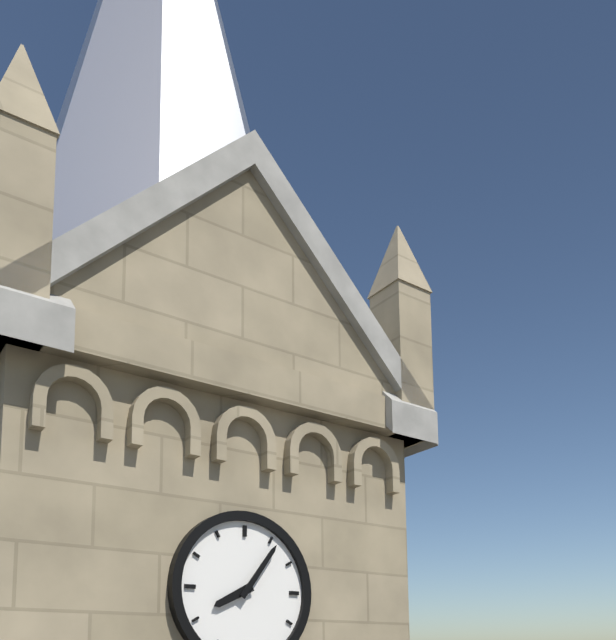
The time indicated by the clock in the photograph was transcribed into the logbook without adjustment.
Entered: 8:06
